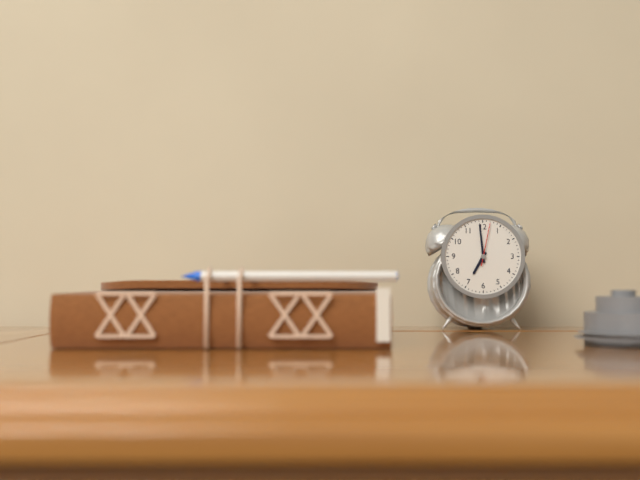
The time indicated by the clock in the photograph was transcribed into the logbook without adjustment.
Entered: 6:59
